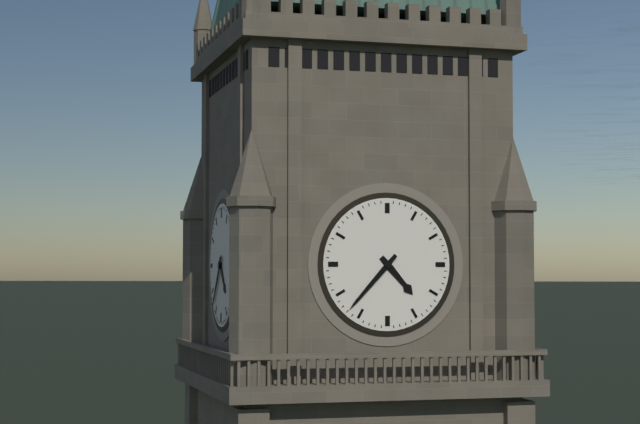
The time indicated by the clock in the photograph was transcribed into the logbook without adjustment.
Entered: 4:37
